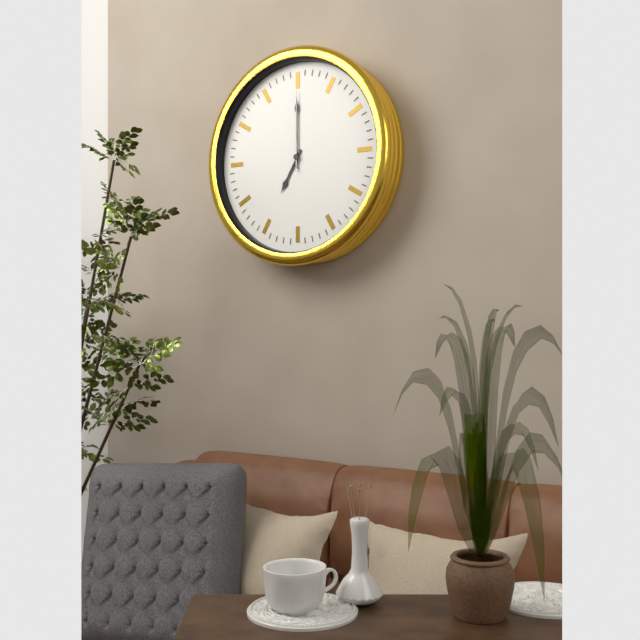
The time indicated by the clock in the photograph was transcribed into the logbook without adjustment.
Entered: 7:00:00
